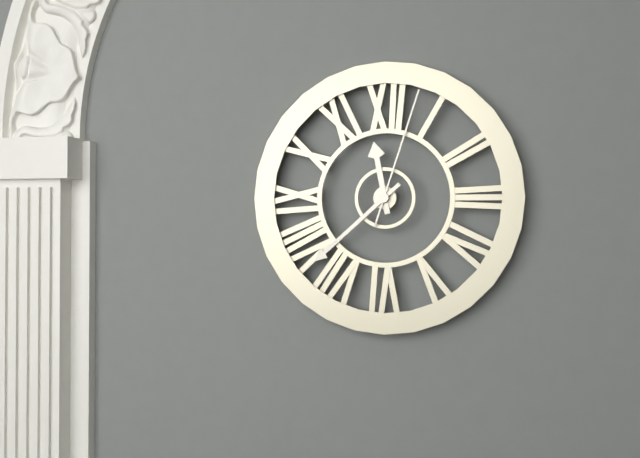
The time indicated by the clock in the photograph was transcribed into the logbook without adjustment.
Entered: 11:38:03
